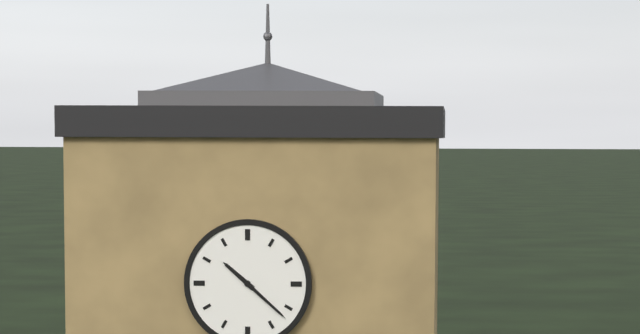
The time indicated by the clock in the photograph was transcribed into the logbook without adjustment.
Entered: 10:22
